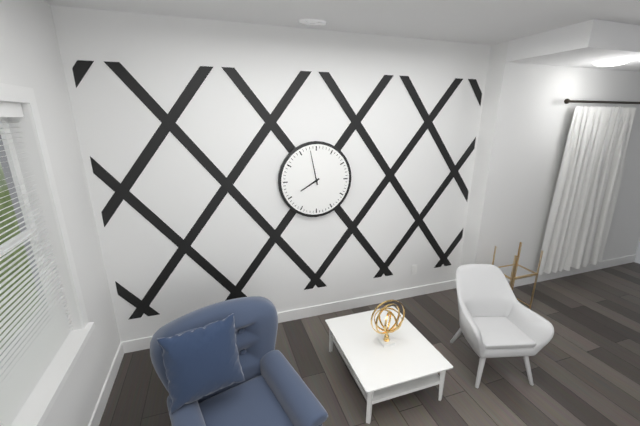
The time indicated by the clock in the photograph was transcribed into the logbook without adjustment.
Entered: 7:58
